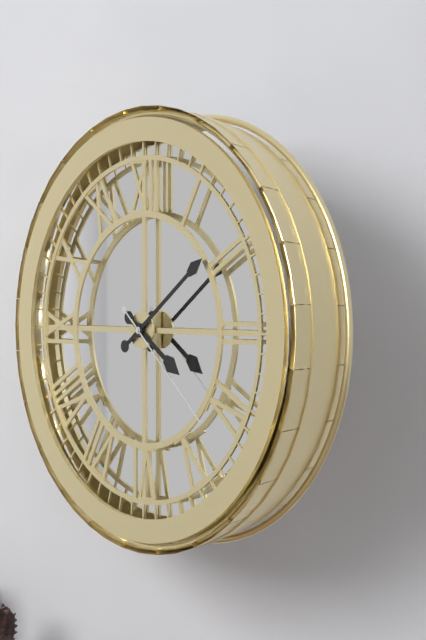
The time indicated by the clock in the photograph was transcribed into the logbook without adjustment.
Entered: 4:09:22
